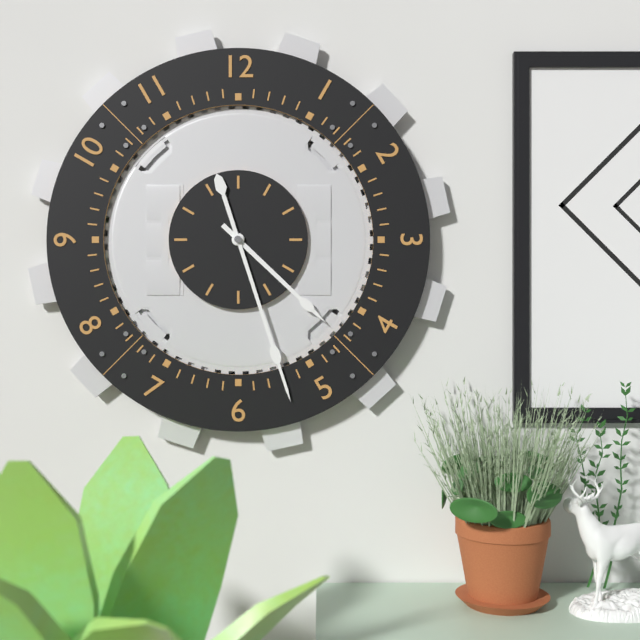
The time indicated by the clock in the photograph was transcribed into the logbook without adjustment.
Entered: 4:27
